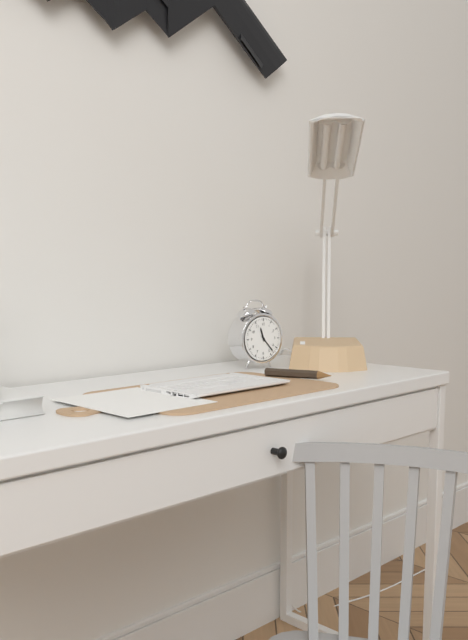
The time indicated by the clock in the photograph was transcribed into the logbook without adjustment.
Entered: 11:23
